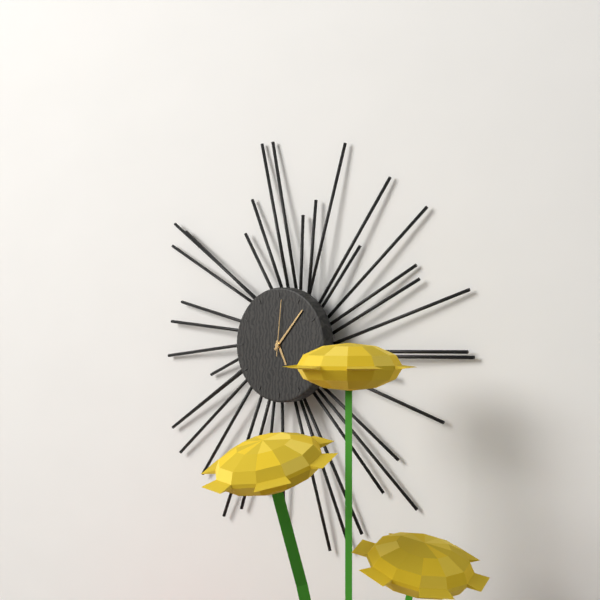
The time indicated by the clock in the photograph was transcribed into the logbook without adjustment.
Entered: 5:07:01
